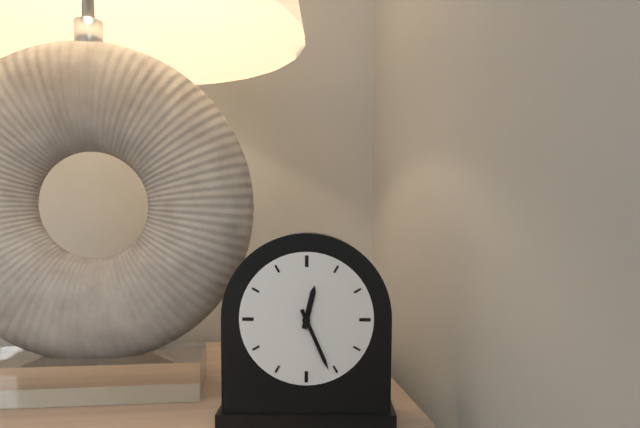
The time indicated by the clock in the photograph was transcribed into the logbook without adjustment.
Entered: 12:26
